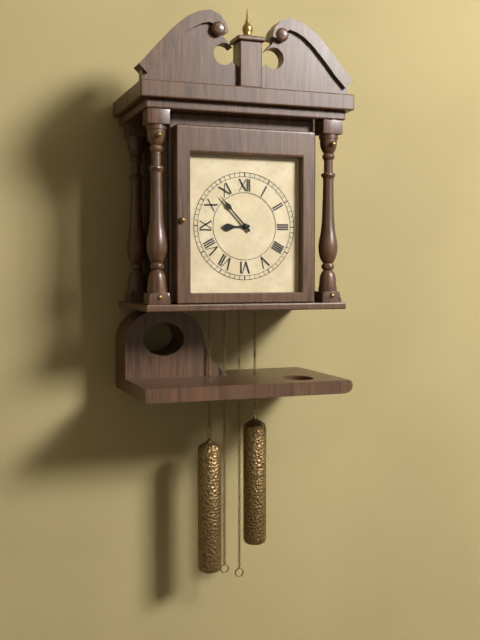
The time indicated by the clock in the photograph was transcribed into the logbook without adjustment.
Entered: 8:53
